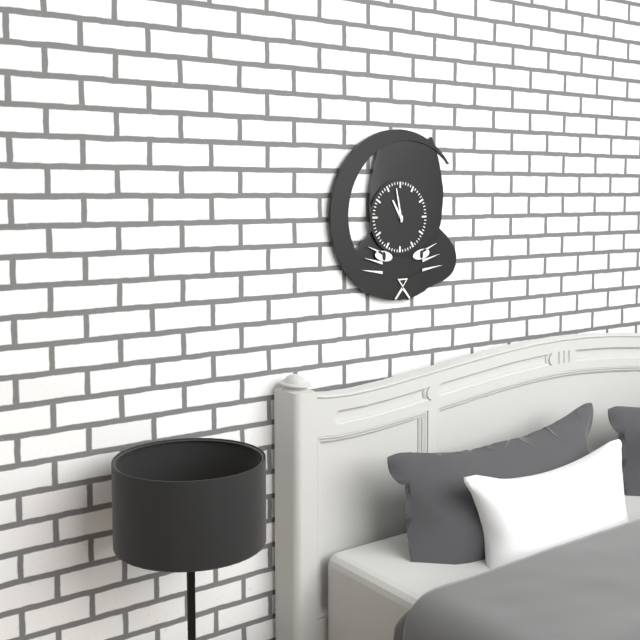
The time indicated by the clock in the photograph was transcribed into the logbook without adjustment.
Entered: 10:58
